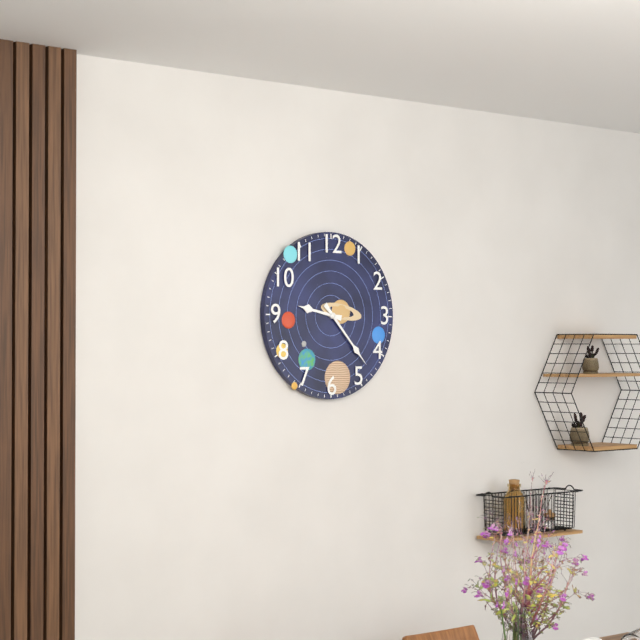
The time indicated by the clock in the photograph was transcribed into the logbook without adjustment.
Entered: 9:23
